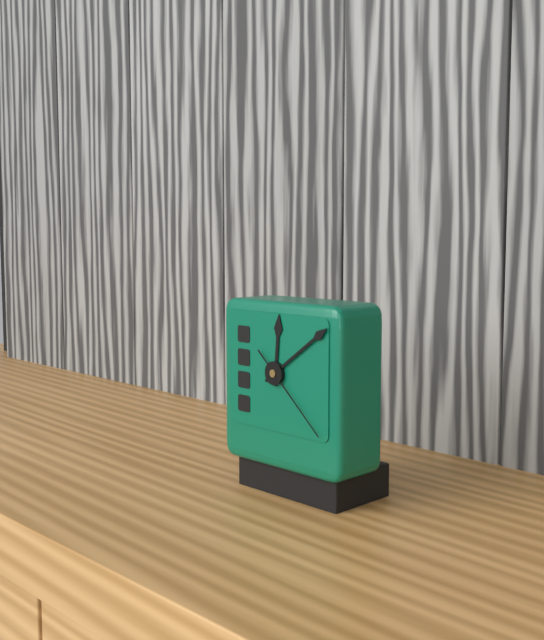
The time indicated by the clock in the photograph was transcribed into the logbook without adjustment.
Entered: 12:09:22
